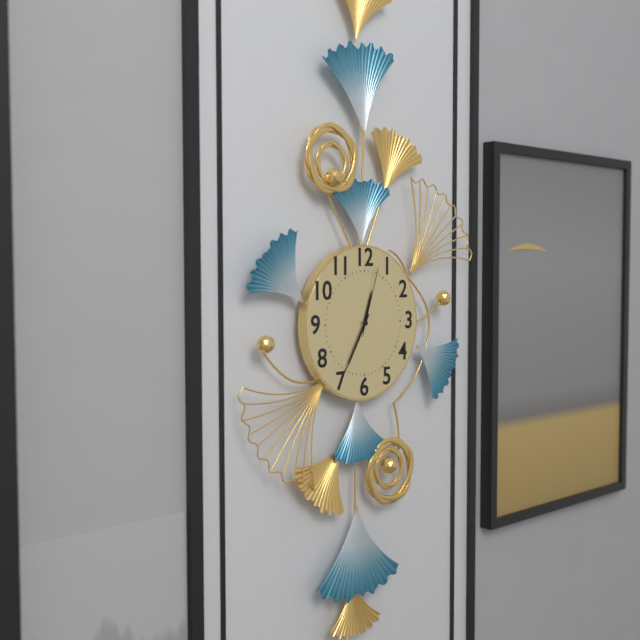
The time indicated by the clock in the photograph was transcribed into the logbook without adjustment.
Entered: 12:35:03
